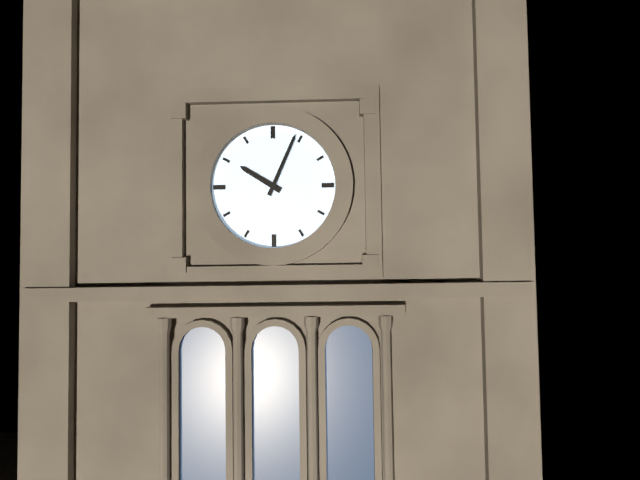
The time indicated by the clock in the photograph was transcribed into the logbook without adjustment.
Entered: 10:04
